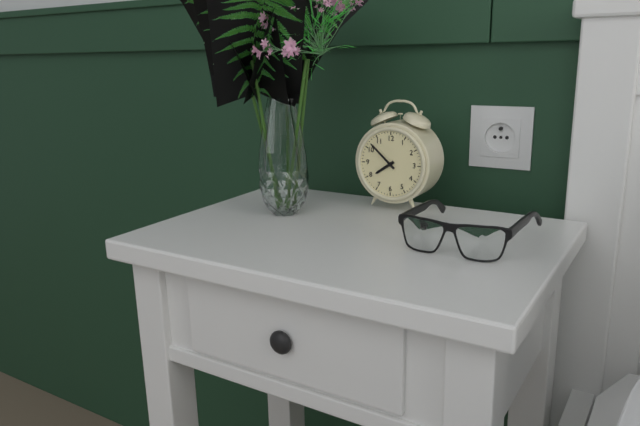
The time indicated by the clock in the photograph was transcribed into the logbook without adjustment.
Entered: 7:52
